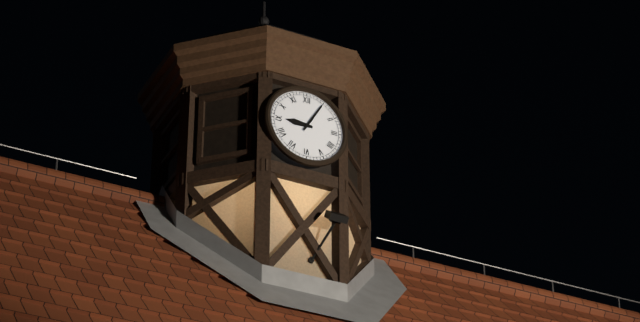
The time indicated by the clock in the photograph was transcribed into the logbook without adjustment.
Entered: 9:05
